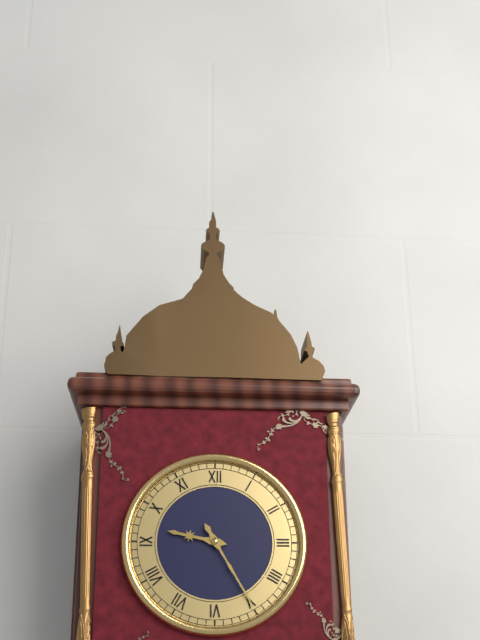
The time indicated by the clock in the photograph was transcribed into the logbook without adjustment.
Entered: 9:25
